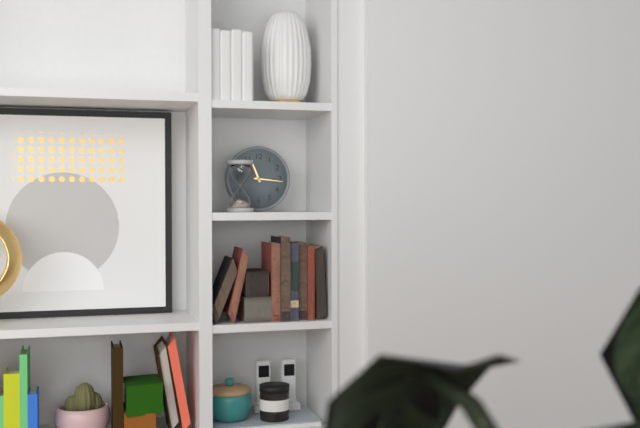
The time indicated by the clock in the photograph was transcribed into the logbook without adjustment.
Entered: 11:16
